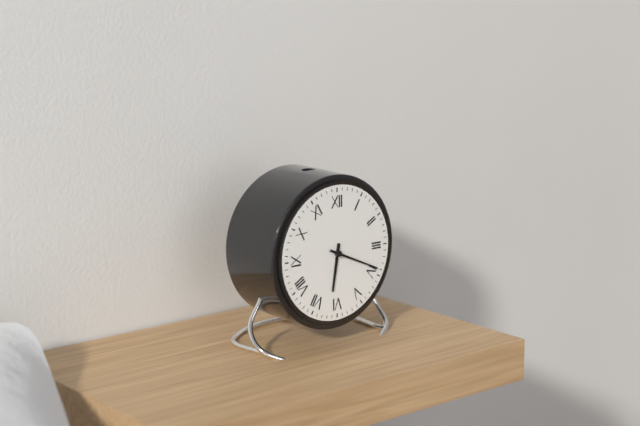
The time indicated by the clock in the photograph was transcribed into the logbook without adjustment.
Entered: 6:19
